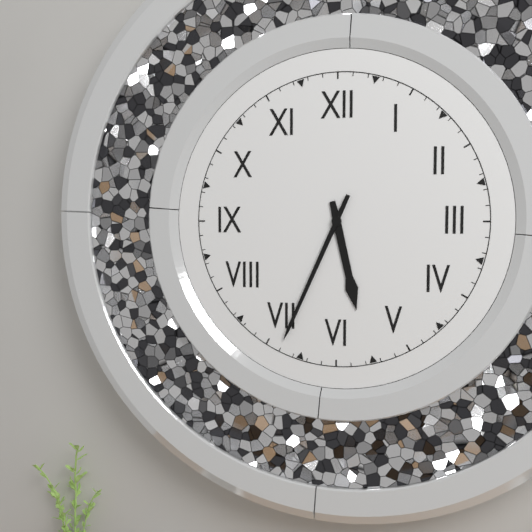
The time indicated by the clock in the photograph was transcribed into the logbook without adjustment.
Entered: 5:34
